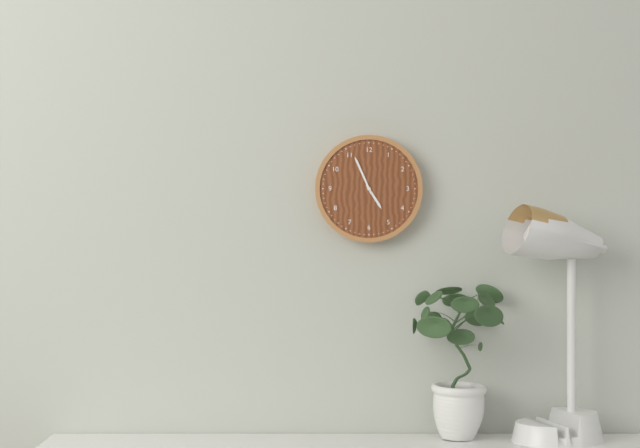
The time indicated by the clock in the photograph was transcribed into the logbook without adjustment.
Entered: 4:56
